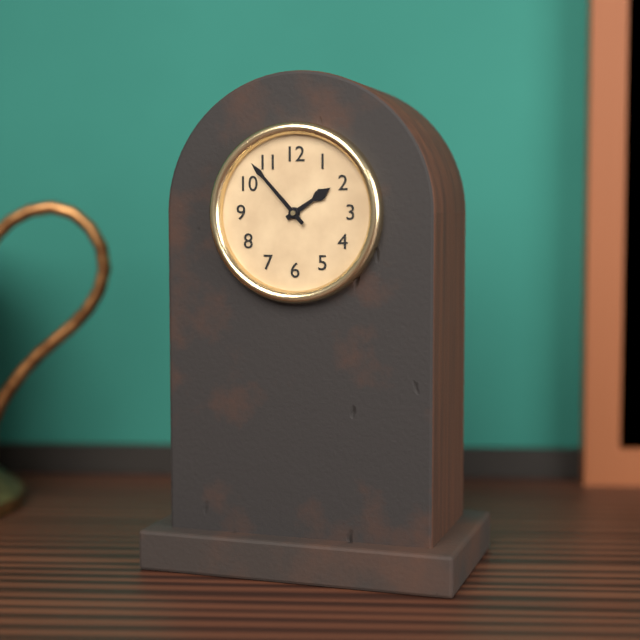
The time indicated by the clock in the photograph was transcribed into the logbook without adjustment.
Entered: 1:53
